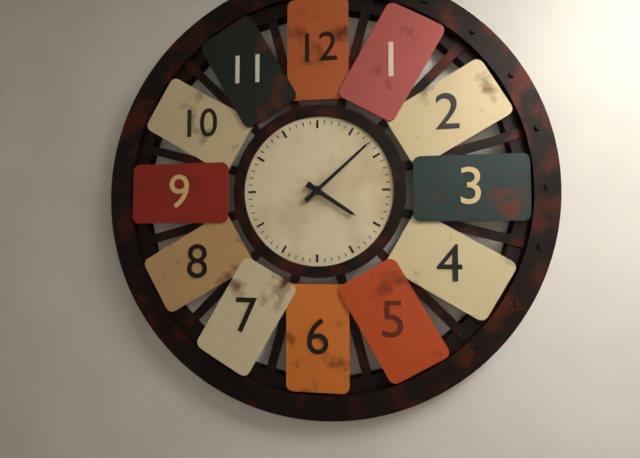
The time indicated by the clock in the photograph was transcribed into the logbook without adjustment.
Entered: 4:08
